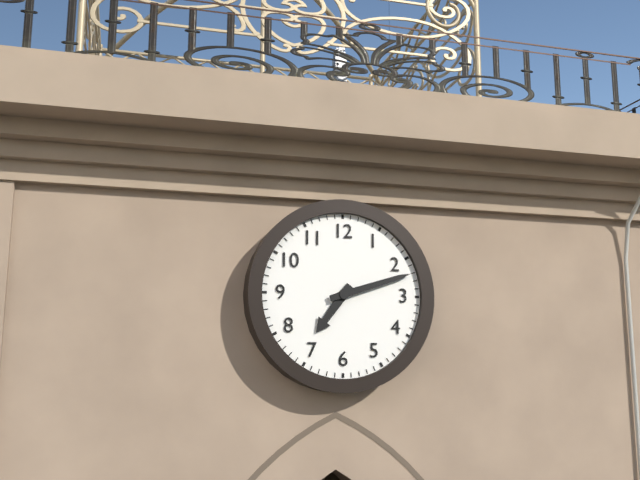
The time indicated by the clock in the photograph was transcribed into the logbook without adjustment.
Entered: 7:12
